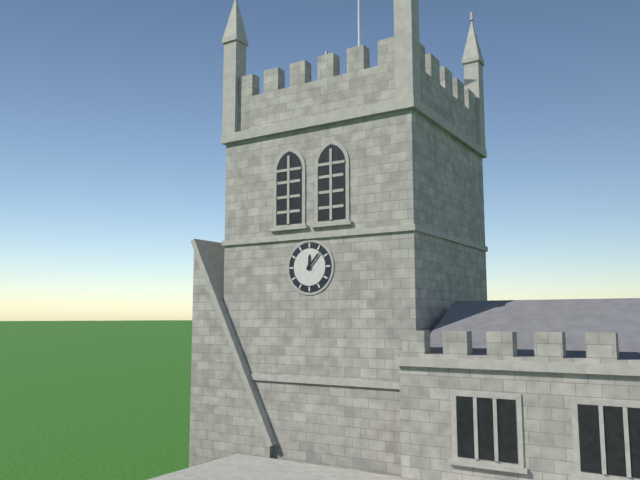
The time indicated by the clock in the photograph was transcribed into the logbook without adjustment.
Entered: 12:07
